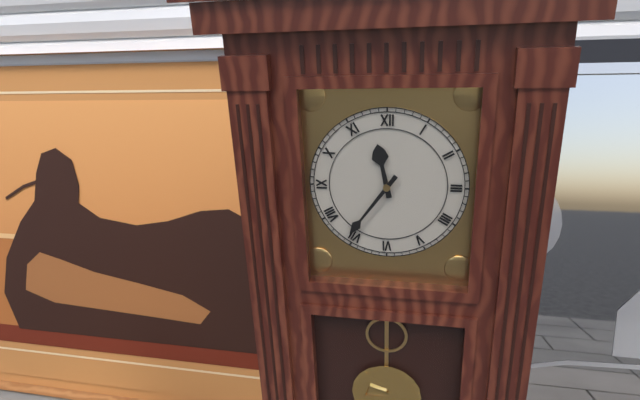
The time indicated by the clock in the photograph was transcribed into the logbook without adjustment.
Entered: 11:36
